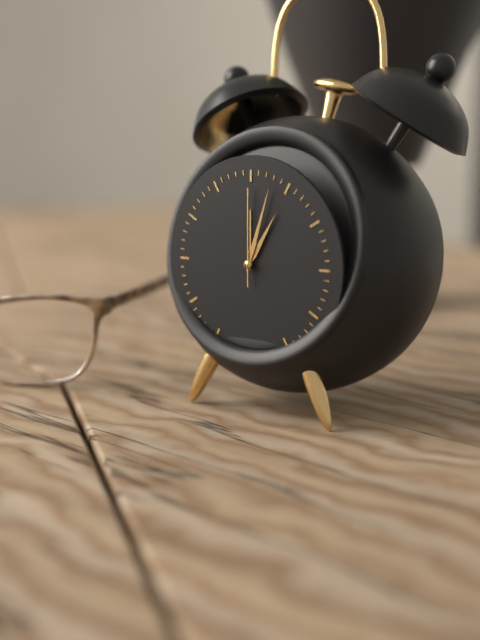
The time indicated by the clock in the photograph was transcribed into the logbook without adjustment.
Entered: 1:03:00
